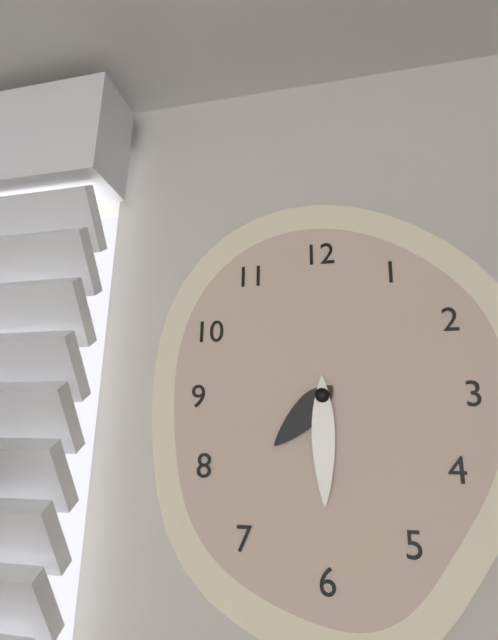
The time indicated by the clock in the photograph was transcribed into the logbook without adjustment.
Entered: 7:30
